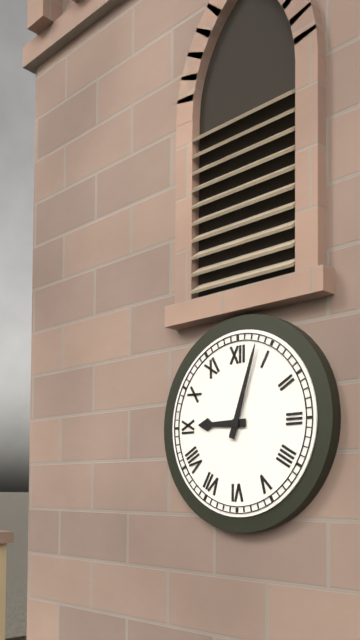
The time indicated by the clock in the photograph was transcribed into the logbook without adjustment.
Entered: 9:03
